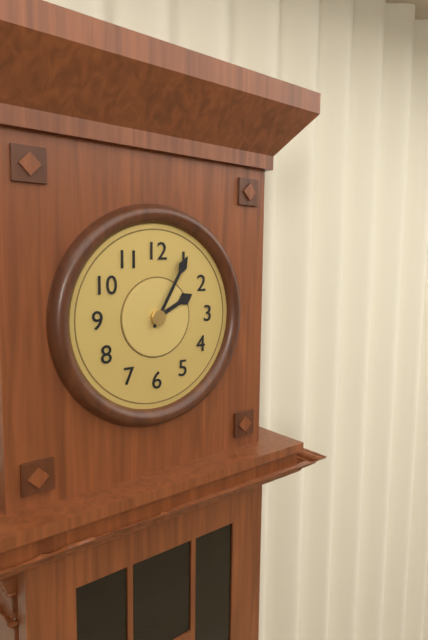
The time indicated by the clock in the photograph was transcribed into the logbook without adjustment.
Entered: 2:05
